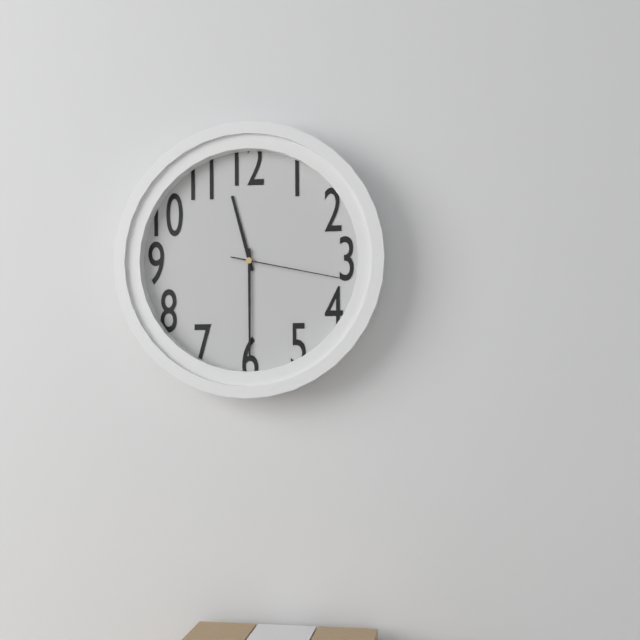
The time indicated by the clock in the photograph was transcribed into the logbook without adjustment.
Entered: 11:30:17
